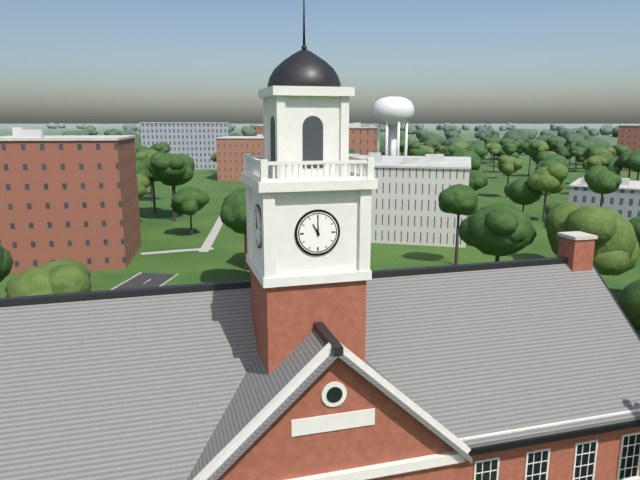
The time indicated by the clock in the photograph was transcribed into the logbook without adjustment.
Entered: 11:00
